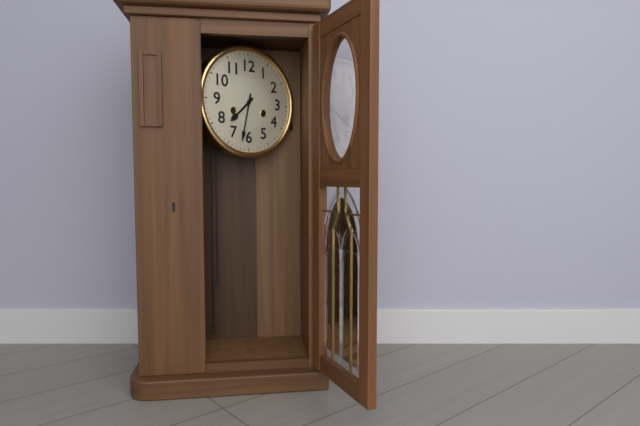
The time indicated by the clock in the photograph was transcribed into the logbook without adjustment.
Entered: 7:32
